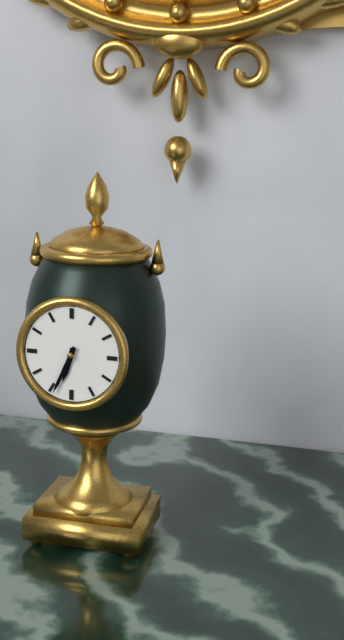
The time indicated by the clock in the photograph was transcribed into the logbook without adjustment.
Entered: 6:34
